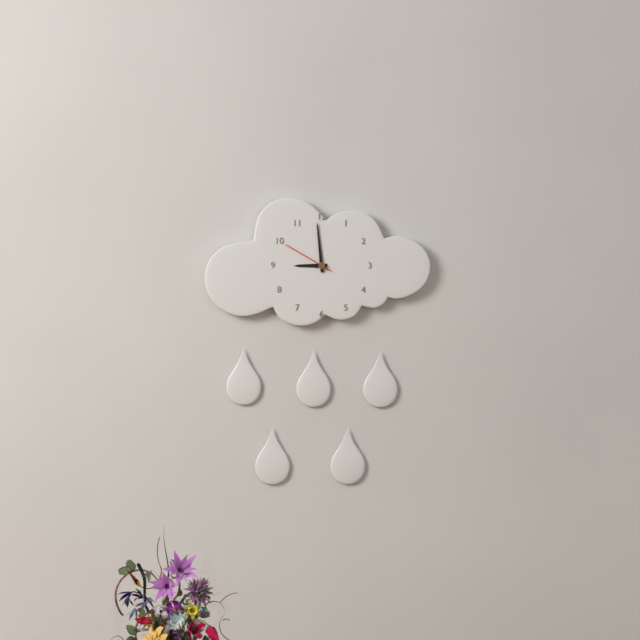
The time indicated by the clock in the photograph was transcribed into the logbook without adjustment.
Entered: 8:59:50
